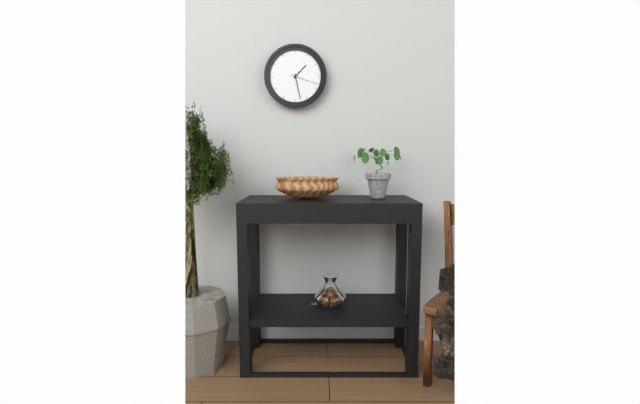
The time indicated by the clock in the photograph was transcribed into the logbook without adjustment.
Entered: 1:28
